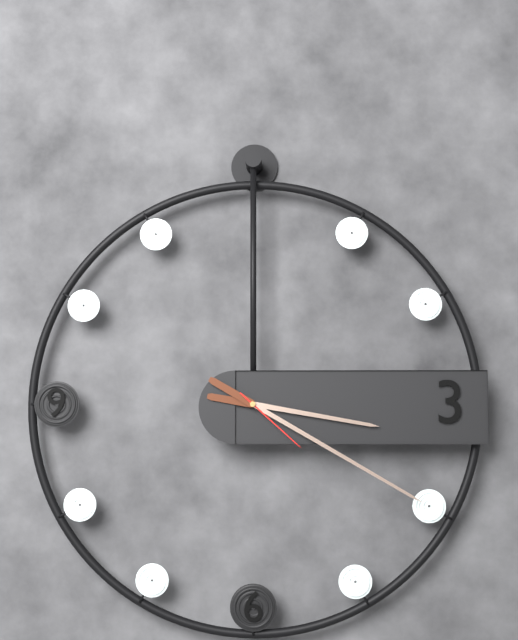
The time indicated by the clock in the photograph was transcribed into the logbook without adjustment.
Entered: 3:20:22
